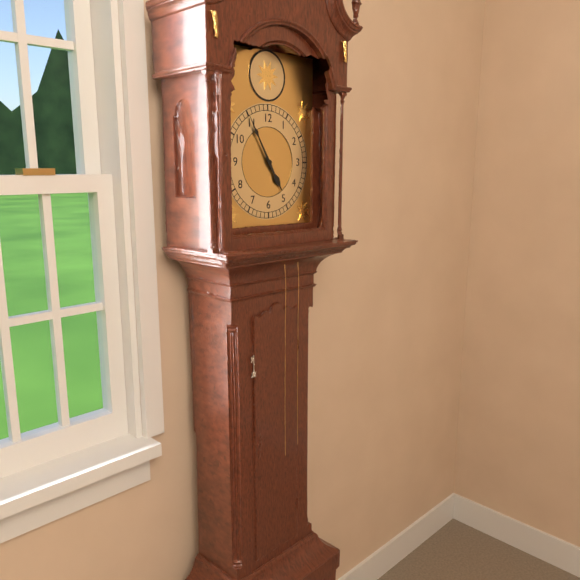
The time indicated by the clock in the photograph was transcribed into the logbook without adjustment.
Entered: 4:55
